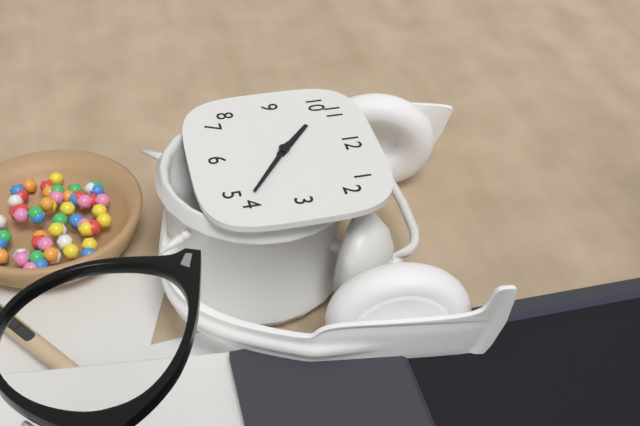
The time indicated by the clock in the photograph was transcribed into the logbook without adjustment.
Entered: 10:21
